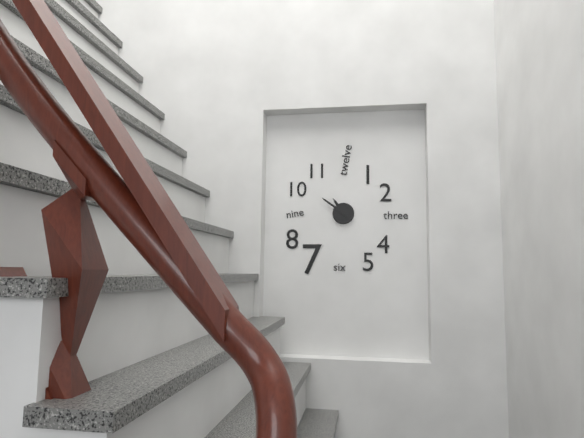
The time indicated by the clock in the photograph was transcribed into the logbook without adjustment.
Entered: 10:51
